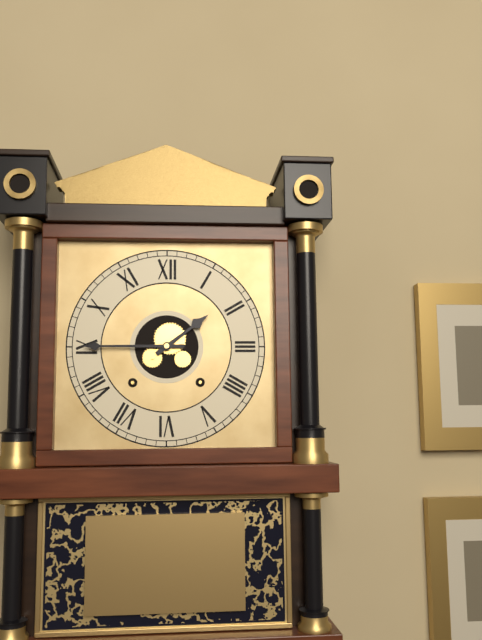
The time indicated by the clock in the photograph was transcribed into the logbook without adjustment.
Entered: 1:45
